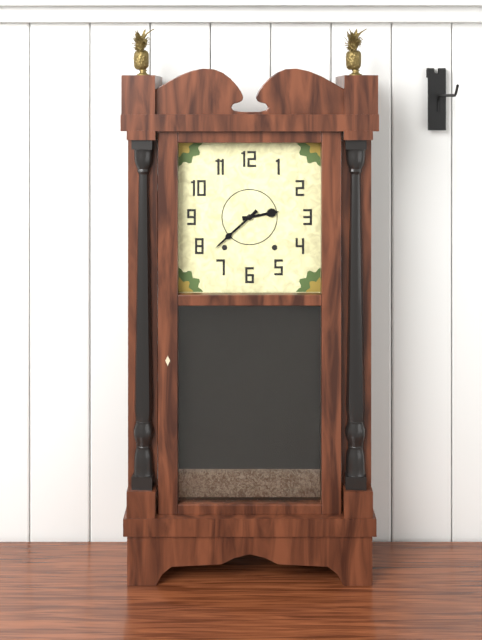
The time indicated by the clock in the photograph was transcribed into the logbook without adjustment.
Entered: 2:38
